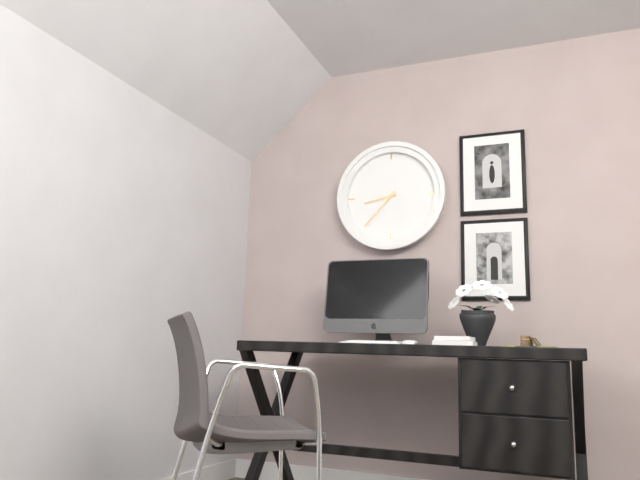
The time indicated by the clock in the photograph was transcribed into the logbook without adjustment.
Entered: 8:37
